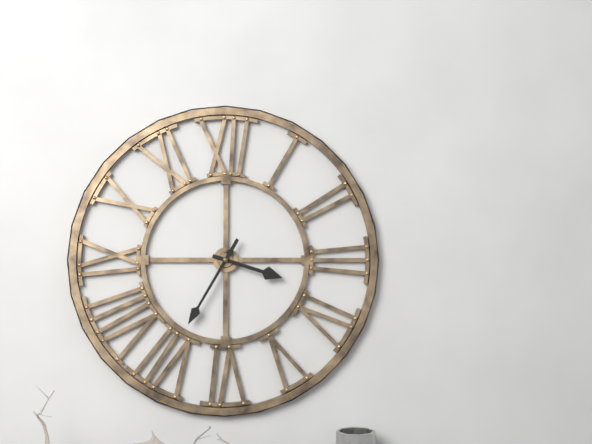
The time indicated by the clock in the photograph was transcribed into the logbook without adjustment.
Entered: 3:35
